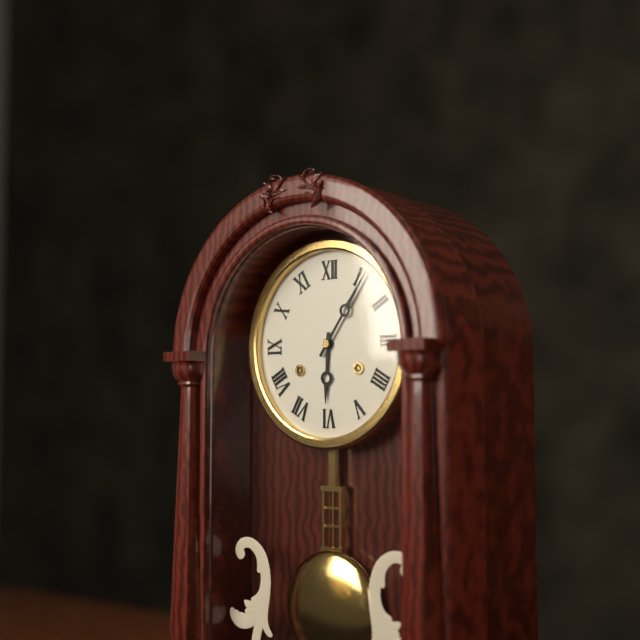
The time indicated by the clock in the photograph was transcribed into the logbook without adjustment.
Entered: 6:06
